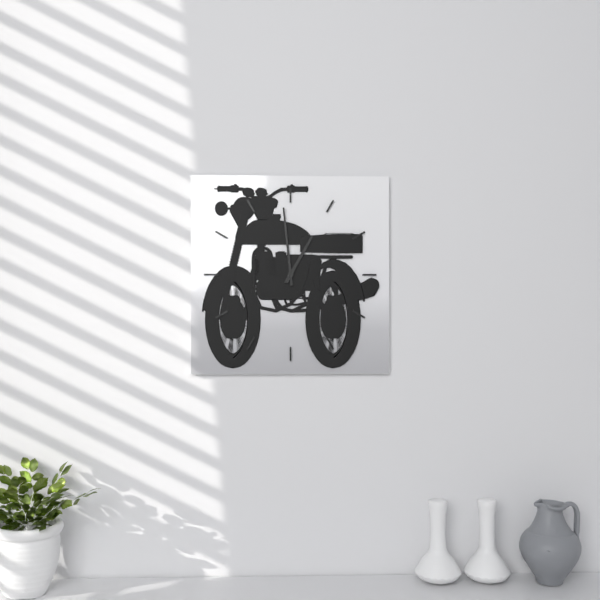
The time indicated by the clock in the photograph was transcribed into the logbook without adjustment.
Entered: 12:59
